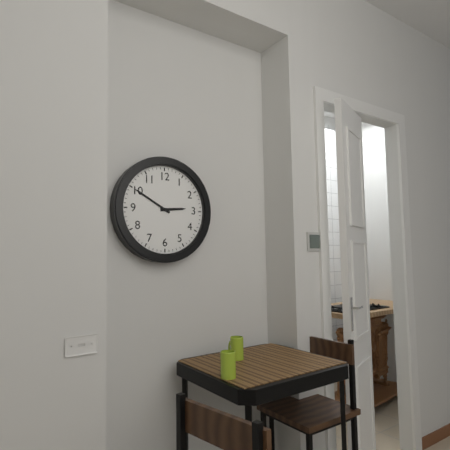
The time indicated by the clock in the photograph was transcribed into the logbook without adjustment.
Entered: 2:50
